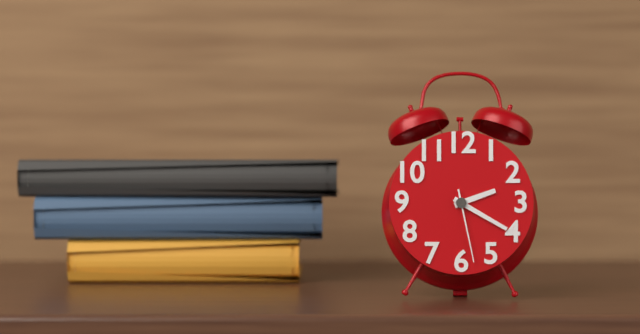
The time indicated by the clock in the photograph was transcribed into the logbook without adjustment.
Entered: 2:20:28
